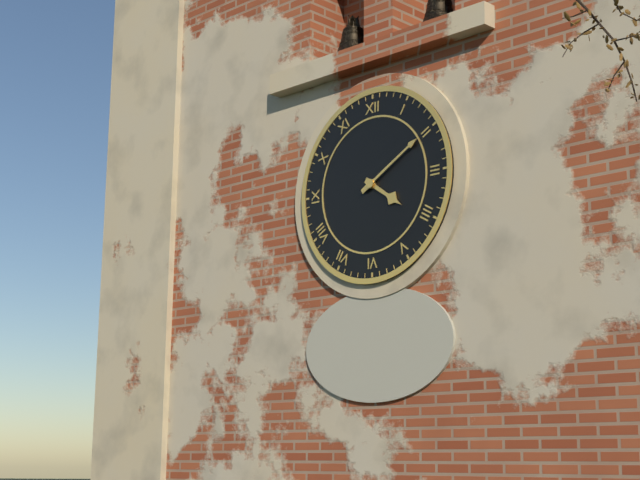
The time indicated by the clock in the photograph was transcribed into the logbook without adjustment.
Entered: 4:10
